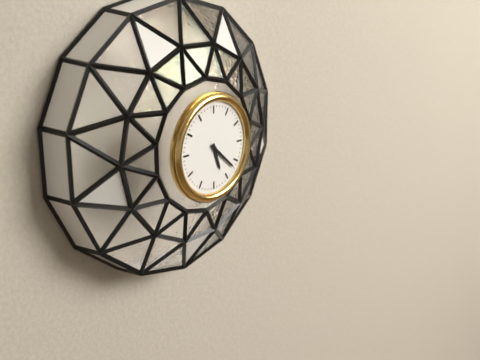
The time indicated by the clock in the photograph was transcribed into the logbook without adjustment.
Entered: 5:22
